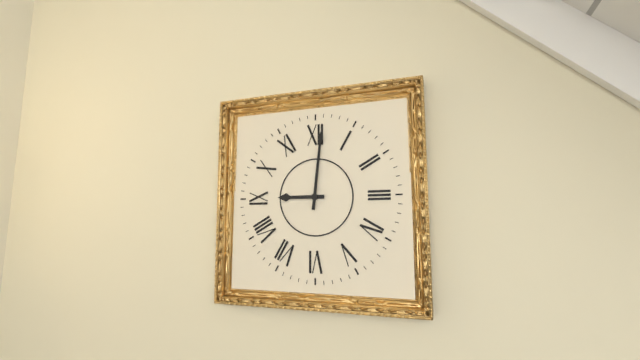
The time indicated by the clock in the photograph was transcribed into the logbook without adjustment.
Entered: 9:01
